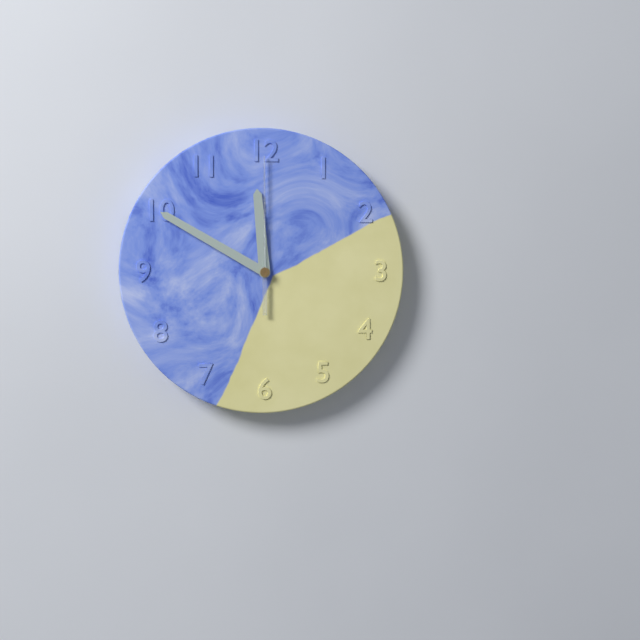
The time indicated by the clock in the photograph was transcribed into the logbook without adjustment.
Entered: 11:50:00
